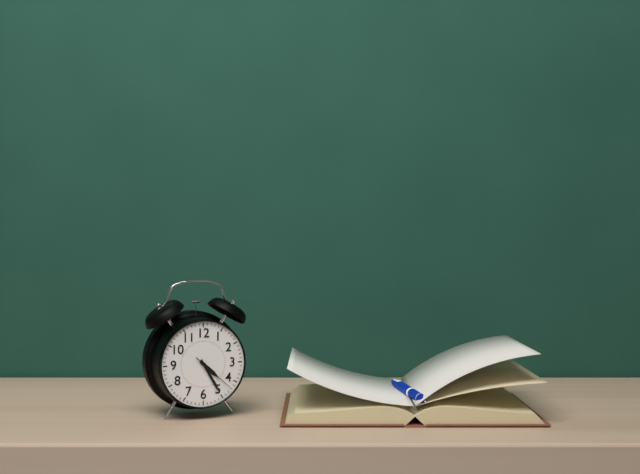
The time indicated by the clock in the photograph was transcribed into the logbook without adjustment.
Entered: 4:25:22
